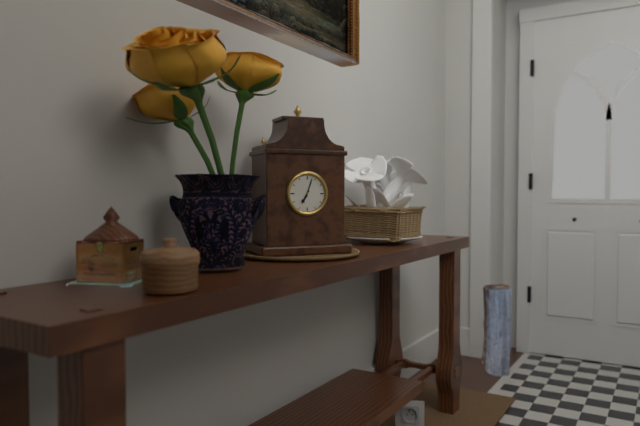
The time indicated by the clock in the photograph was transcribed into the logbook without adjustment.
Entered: 7:03
